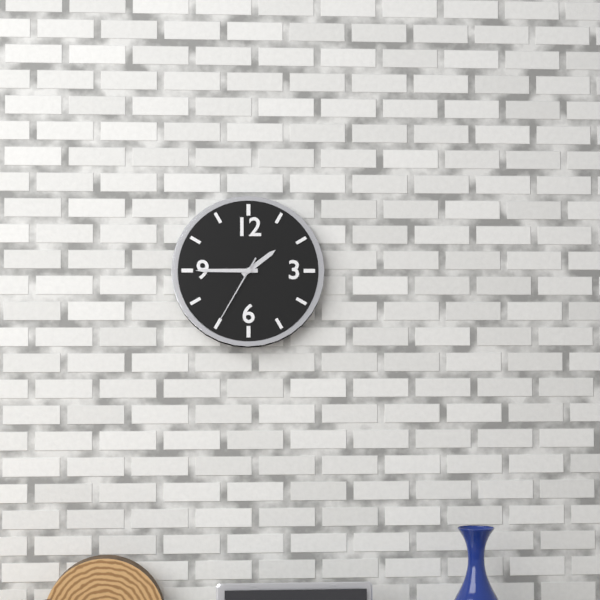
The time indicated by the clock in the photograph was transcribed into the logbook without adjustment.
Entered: 1:45:35
